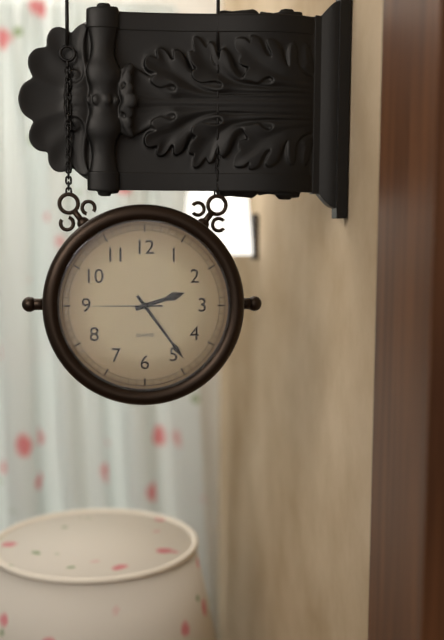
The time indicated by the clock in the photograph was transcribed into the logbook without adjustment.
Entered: 2:24:45
